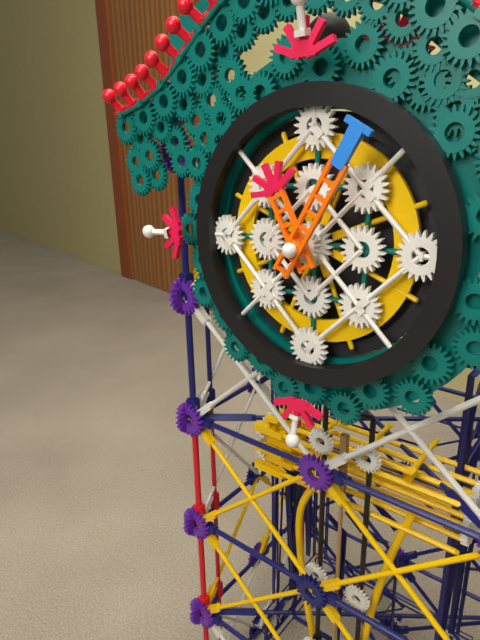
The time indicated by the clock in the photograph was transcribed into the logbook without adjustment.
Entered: 11:05
